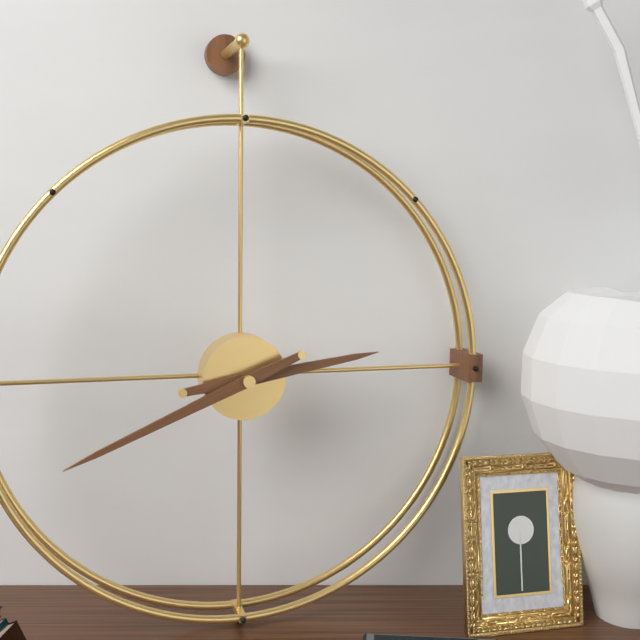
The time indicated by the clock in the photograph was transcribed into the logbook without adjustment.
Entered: 2:41
